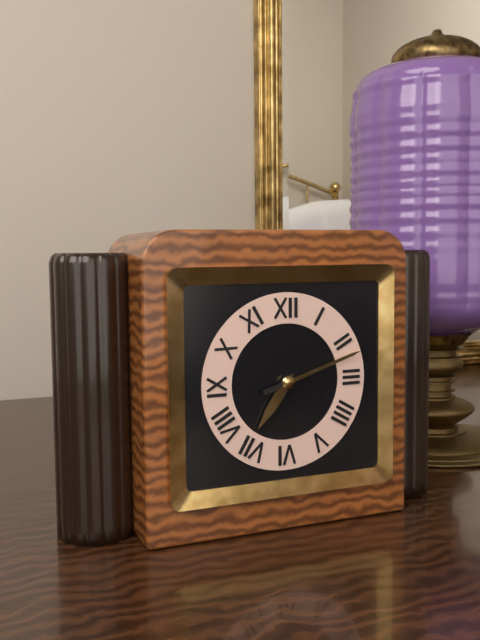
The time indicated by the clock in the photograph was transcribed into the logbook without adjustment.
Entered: 7:12
